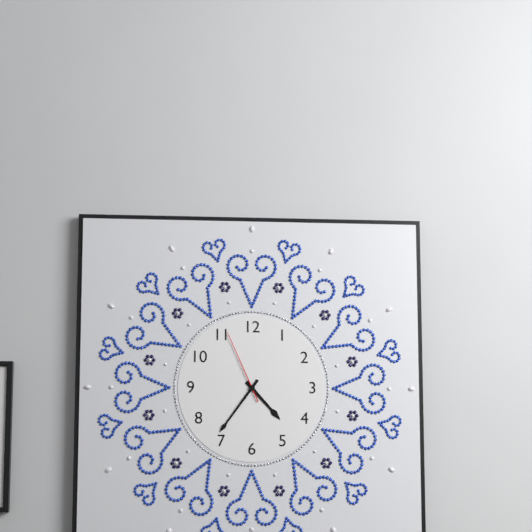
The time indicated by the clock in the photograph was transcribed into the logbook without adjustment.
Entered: 4:36:56
